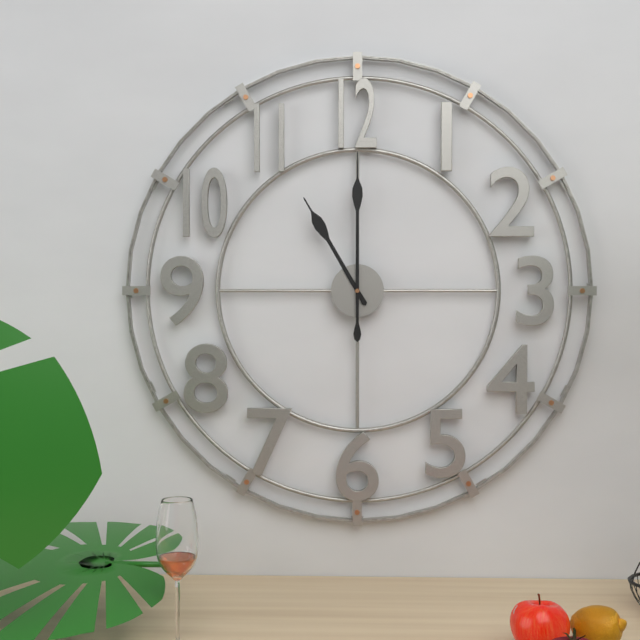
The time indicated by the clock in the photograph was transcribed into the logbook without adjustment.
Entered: 11:00
